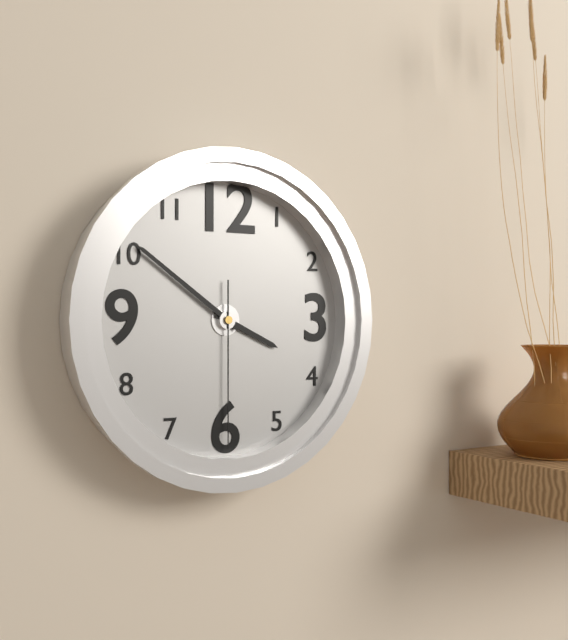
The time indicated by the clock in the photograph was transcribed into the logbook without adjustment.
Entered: 3:51:30
